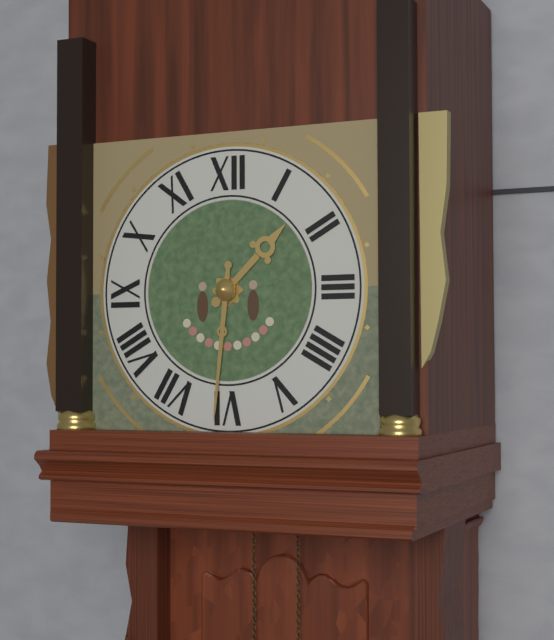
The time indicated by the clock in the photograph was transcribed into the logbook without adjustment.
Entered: 1:31
